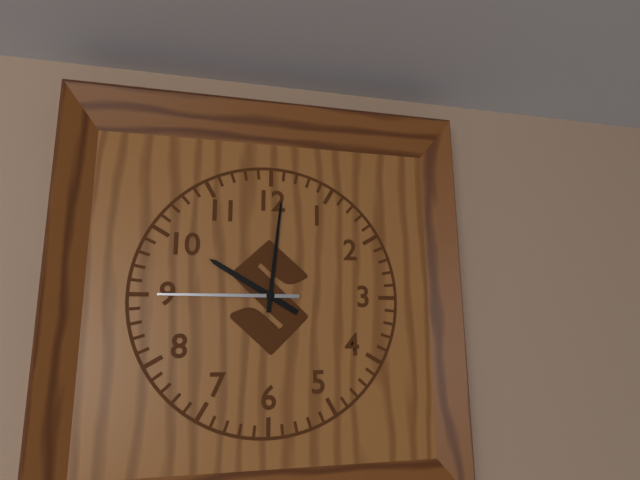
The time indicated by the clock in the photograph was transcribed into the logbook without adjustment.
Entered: 10:01:45
